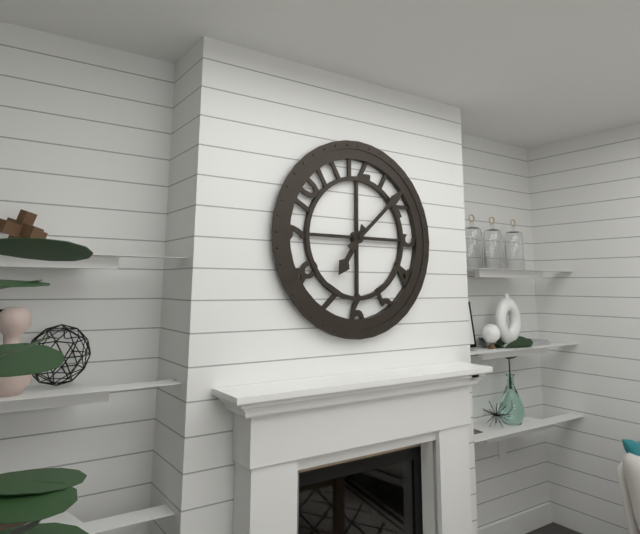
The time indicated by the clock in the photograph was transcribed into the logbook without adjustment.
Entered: 7:08
